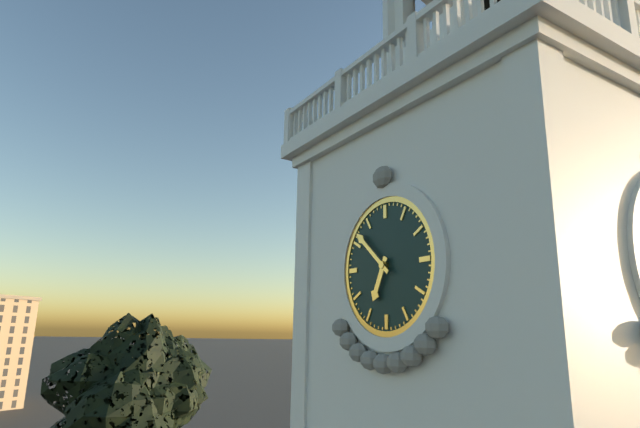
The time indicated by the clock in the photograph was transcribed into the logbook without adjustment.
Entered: 6:52
